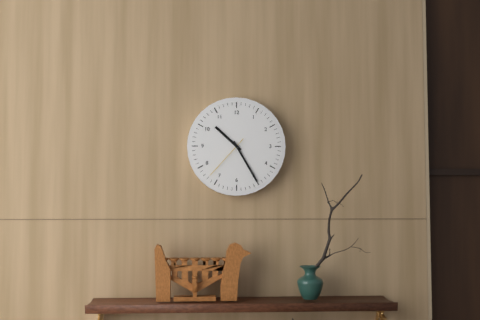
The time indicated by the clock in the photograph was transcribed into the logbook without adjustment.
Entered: 10:25
